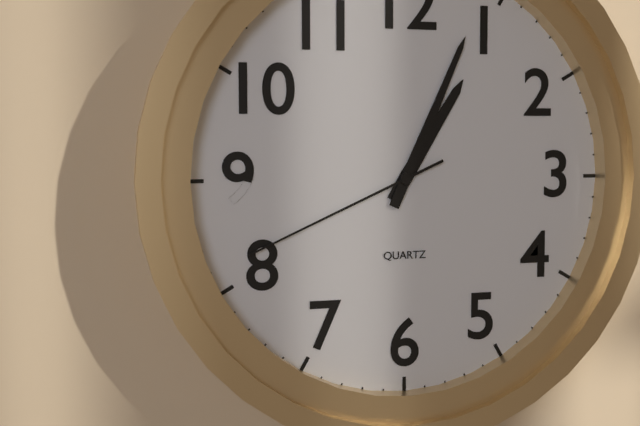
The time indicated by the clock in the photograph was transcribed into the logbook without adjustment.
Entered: 1:04:41
